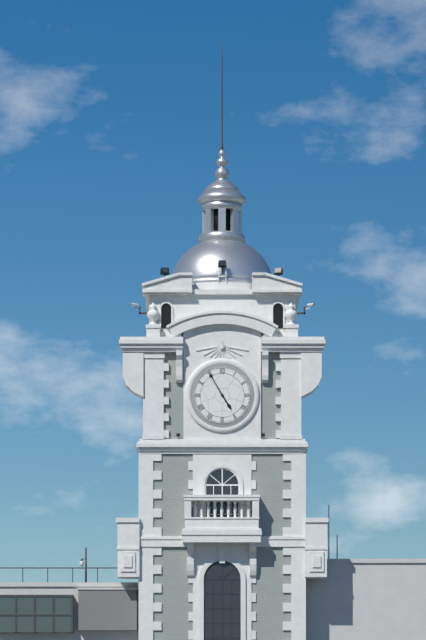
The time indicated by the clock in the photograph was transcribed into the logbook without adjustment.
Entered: 4:55
